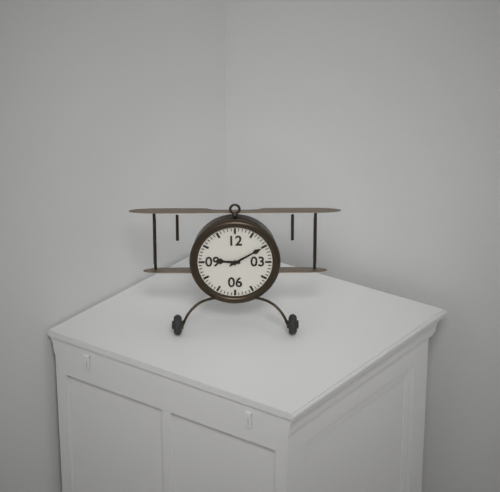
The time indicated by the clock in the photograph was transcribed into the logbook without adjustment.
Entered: 9:10
